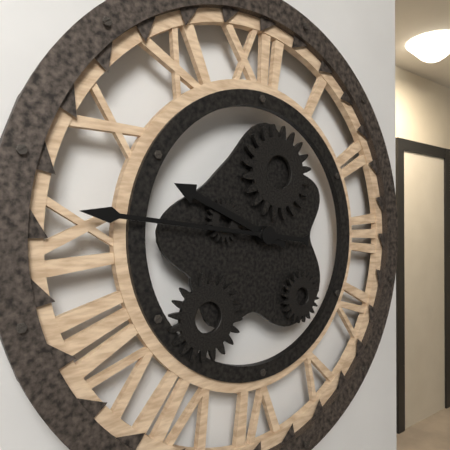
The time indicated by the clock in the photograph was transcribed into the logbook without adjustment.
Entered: 9:46
